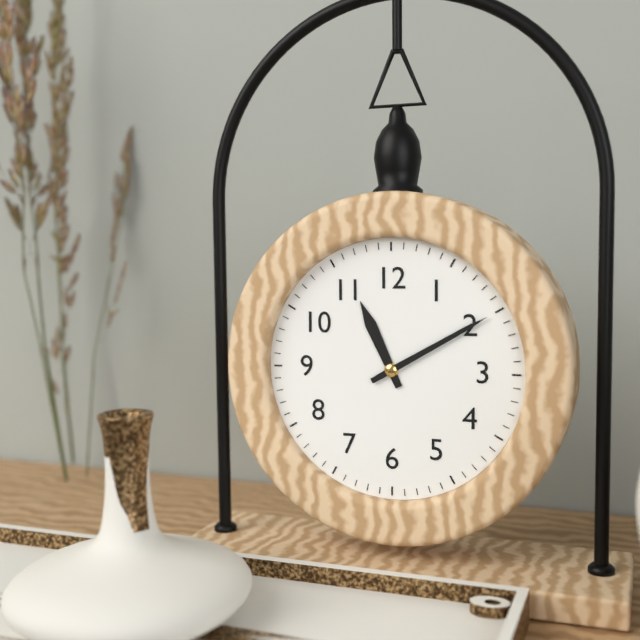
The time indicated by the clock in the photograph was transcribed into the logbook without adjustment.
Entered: 11:10
